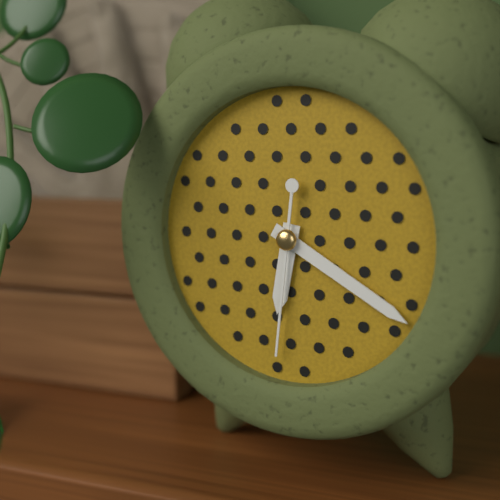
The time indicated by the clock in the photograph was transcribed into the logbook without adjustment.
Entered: 6:20:31
